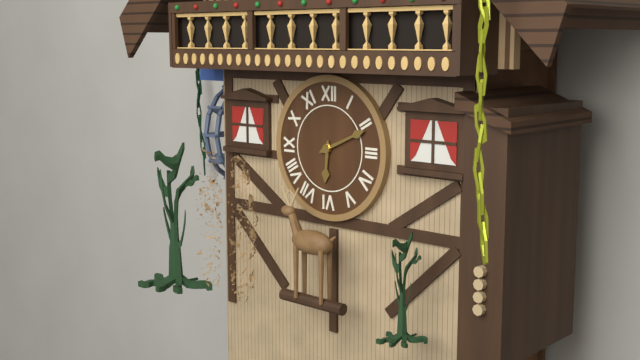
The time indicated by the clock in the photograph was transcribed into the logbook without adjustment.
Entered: 6:11
